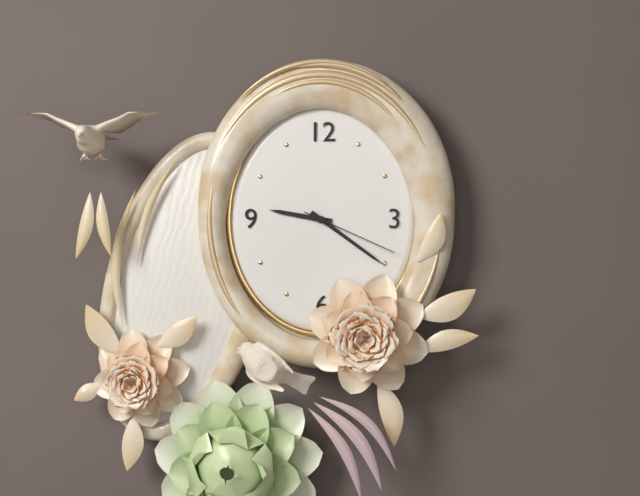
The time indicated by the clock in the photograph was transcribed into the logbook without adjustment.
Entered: 9:21:19
